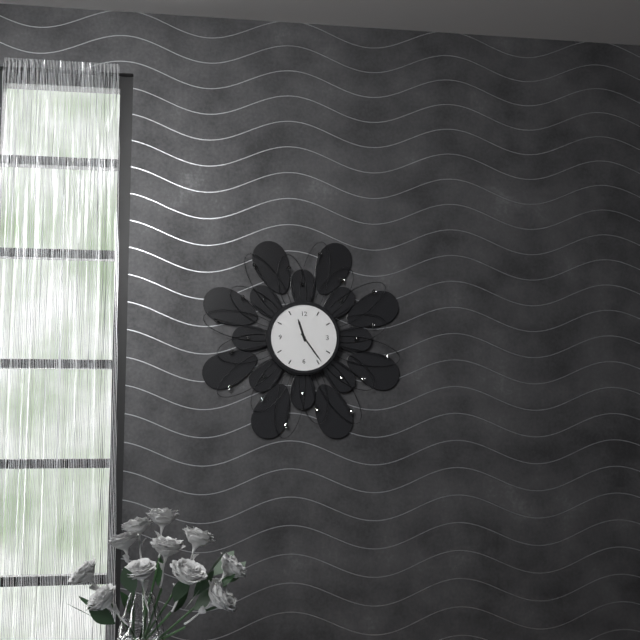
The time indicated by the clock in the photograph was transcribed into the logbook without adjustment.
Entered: 11:24
